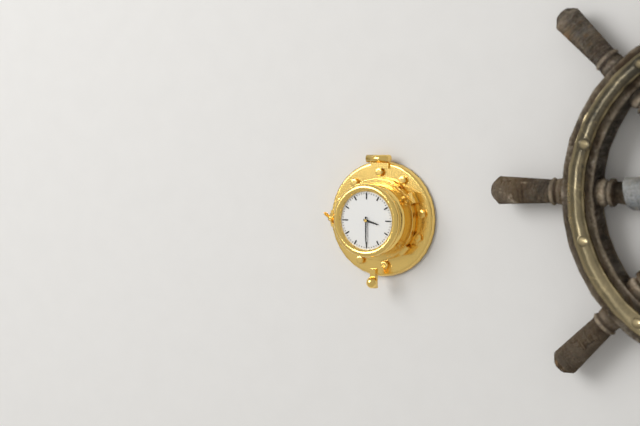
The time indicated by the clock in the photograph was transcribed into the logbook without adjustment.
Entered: 3:30
